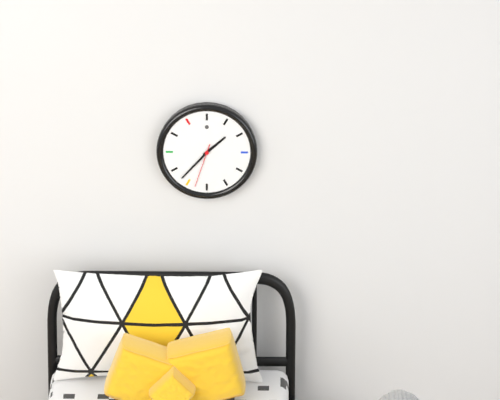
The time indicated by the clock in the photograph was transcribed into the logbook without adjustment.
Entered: 1:37
